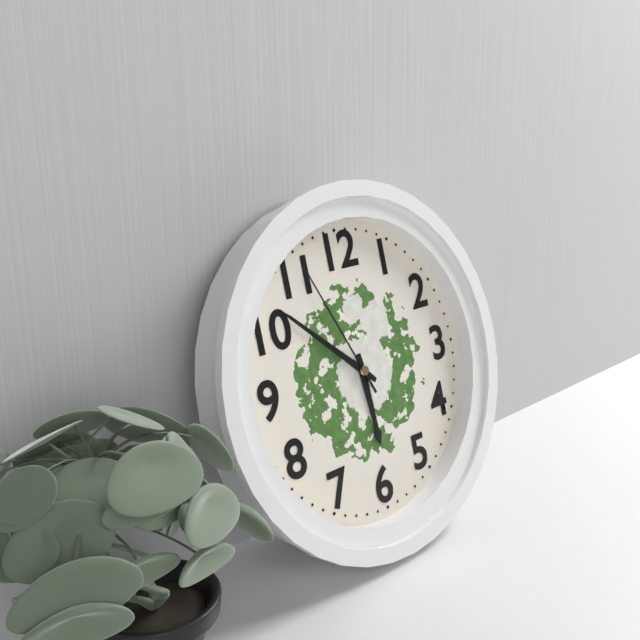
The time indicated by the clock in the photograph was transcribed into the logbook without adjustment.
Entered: 5:52:56
